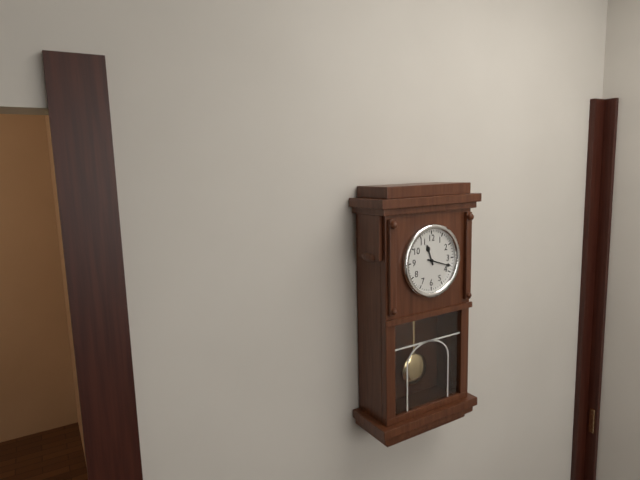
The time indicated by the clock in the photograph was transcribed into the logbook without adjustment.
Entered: 11:18
